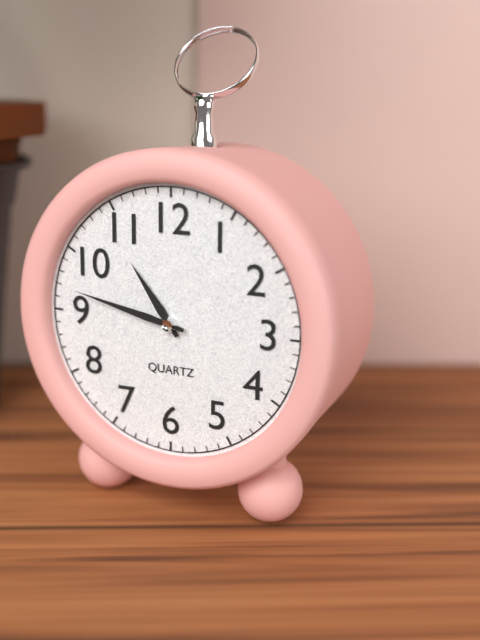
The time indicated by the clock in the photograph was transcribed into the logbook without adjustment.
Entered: 10:47
